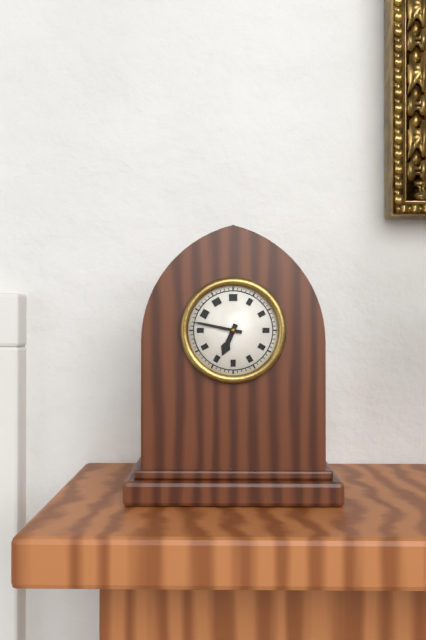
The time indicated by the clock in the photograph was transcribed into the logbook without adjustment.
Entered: 6:47
